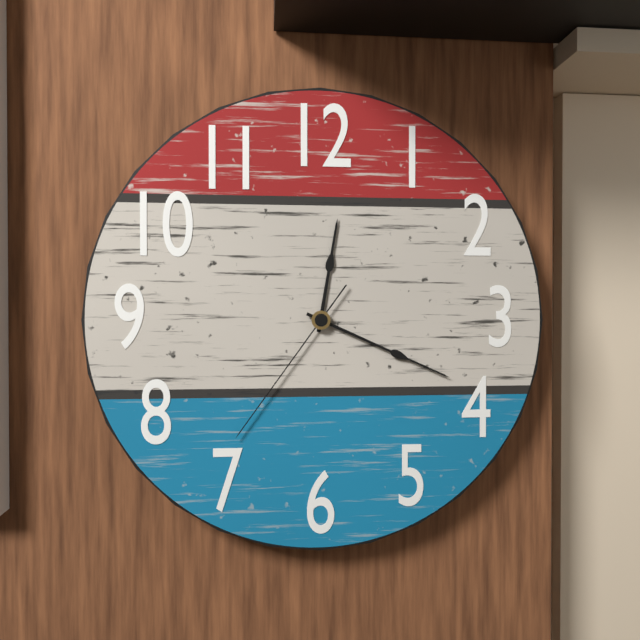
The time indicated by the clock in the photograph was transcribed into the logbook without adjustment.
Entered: 12:19:36
